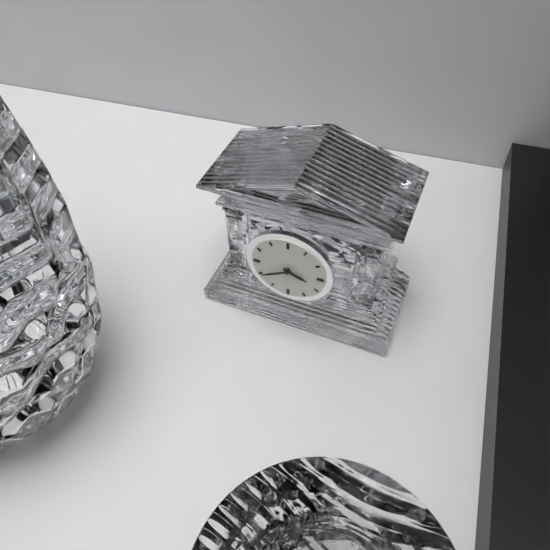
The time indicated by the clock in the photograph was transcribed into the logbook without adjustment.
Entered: 3:40
